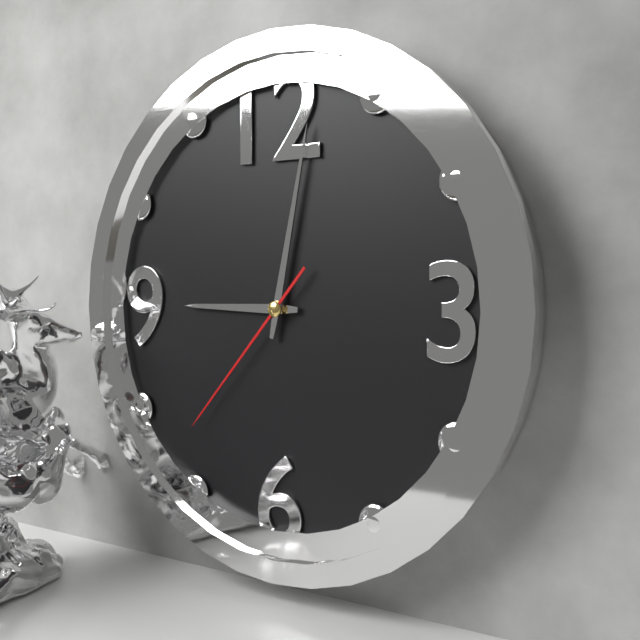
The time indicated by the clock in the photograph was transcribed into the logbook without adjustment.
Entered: 9:02:37
